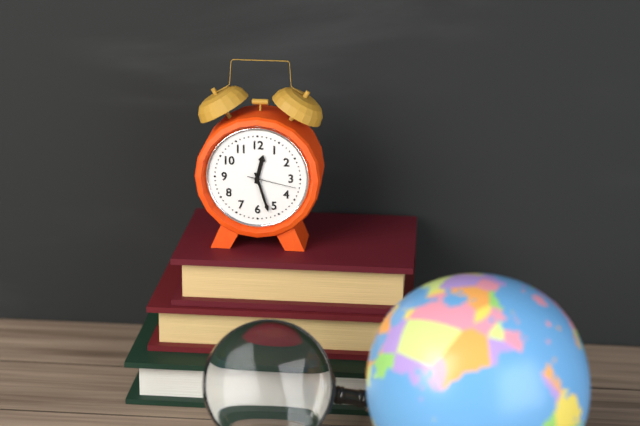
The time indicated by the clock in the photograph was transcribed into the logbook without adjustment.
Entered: 12:27
